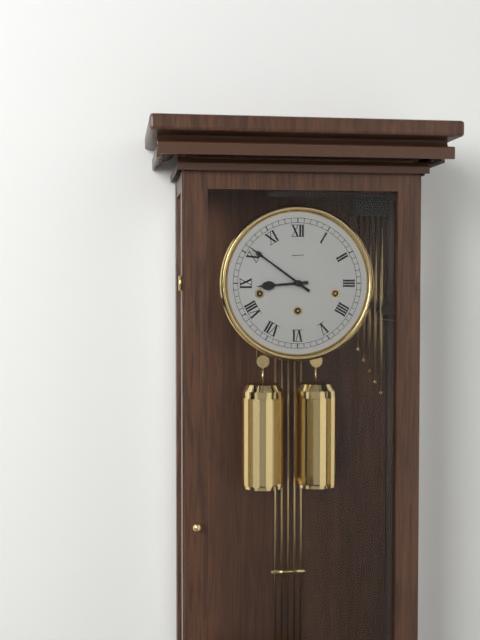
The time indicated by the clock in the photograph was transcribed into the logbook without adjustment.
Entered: 8:51
